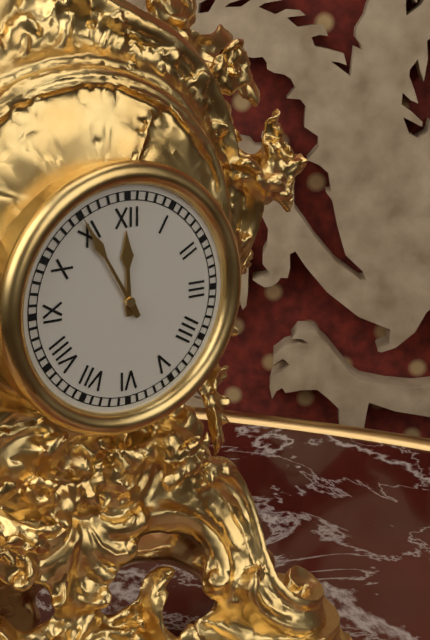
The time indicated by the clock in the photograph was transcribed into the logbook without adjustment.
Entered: 11:55
